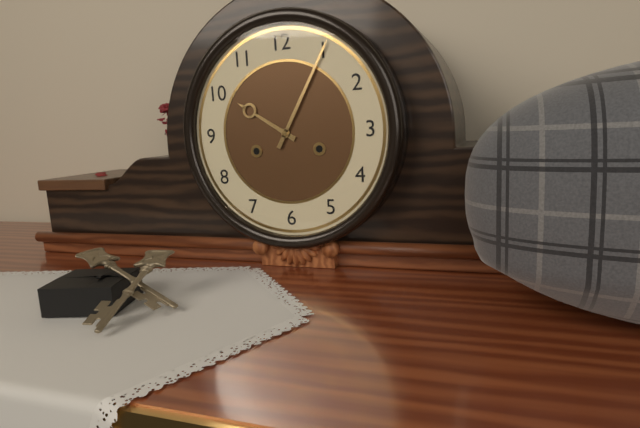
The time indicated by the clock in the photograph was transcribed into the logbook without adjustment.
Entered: 10:05
